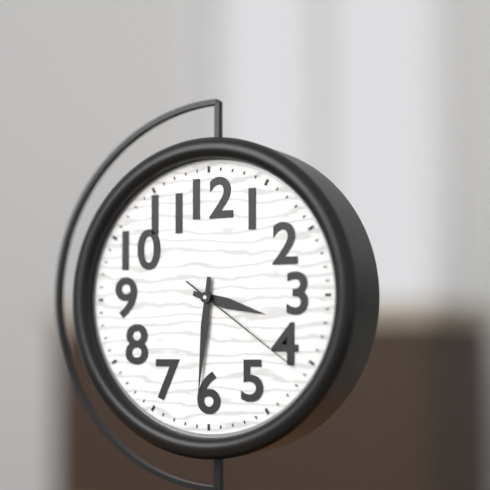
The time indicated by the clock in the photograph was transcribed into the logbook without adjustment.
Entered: 3:31:21
